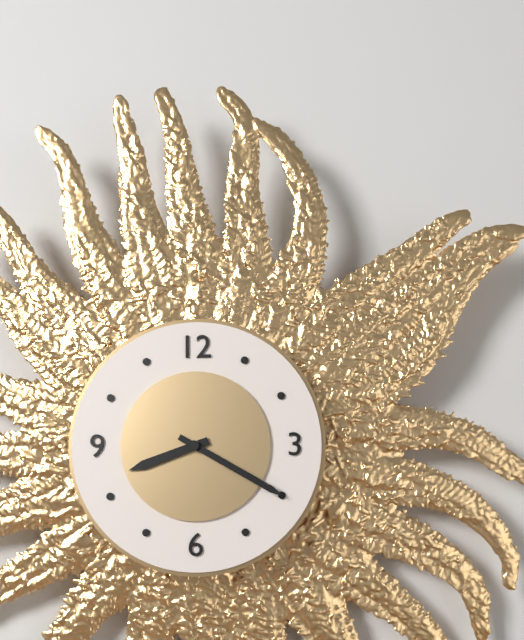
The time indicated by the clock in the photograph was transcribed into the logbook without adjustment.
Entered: 8:20
